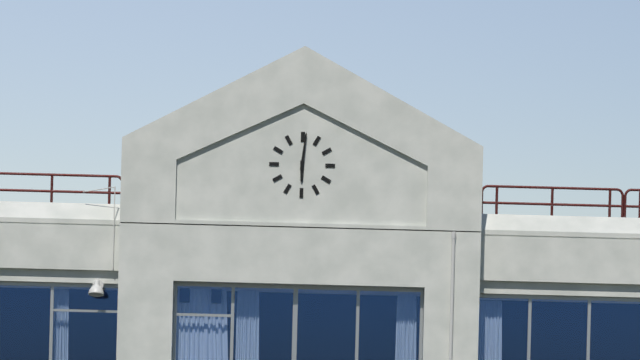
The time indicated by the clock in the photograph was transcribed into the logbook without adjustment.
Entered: 6:01
